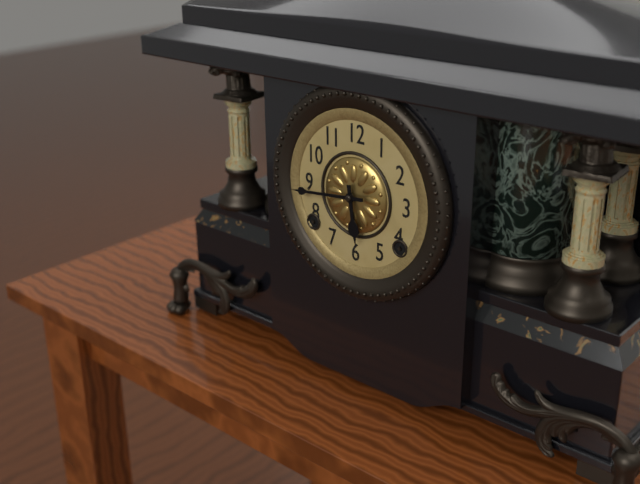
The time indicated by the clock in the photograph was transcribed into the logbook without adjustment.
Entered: 5:44
